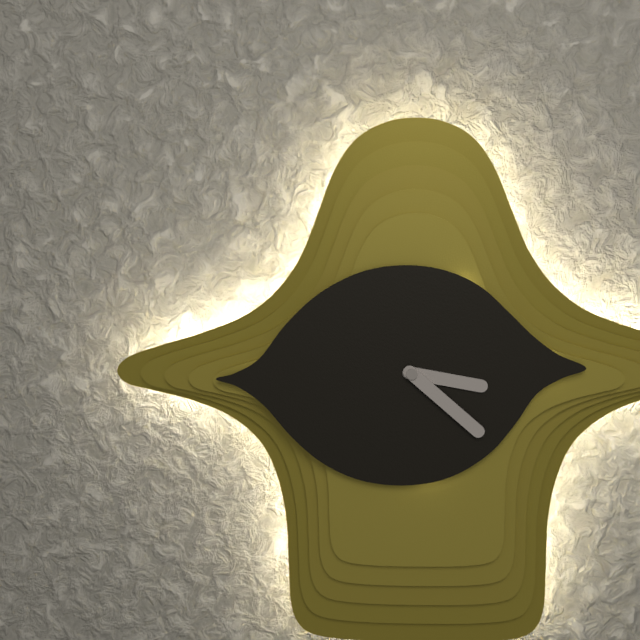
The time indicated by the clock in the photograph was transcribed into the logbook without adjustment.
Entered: 3:22
